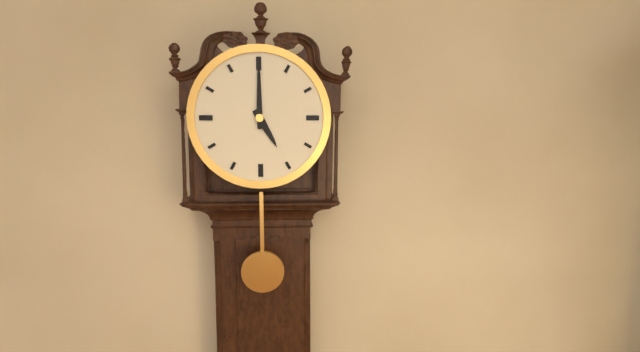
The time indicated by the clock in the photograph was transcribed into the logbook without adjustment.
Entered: 5:00
